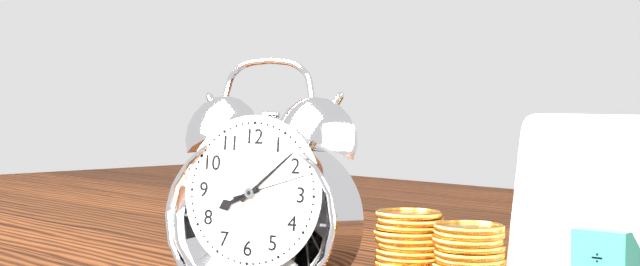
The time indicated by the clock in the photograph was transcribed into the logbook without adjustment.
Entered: 8:08:12
